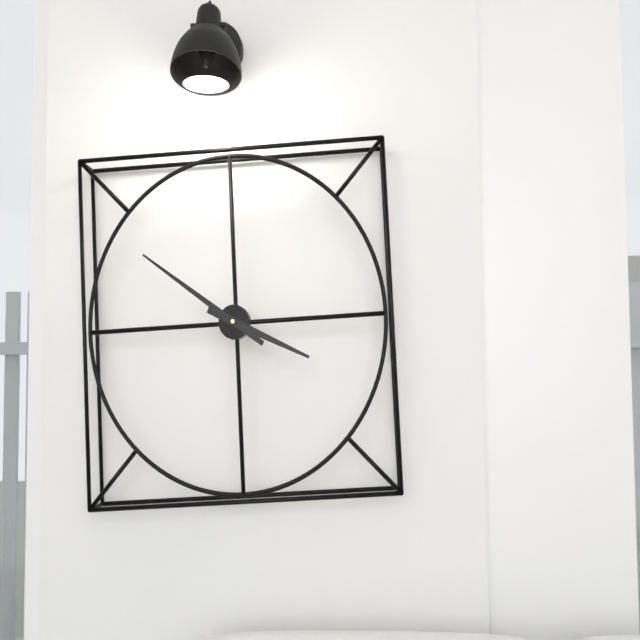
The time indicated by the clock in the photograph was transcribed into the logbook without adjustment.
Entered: 3:51
